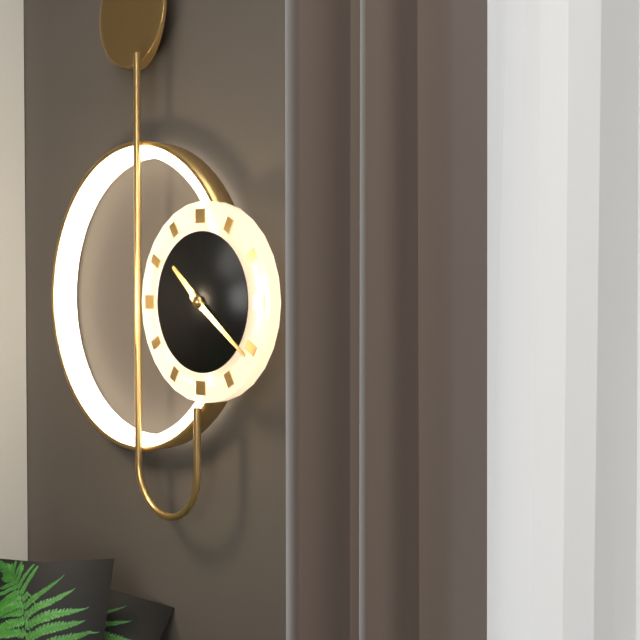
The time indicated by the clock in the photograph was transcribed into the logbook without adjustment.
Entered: 10:21
